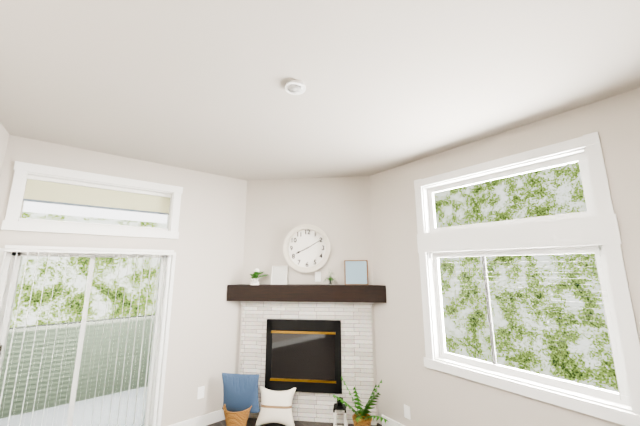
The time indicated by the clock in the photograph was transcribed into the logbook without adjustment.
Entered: 8:10
